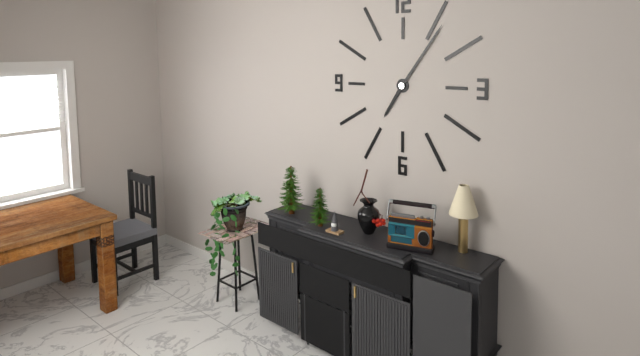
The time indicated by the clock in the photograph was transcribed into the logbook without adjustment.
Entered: 7:06
